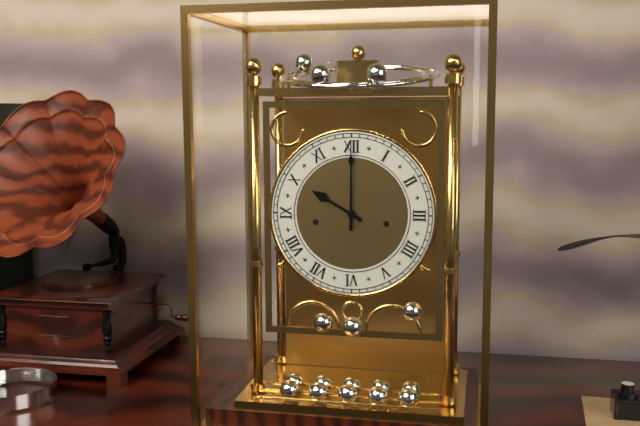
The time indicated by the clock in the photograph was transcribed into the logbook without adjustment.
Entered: 10:00
